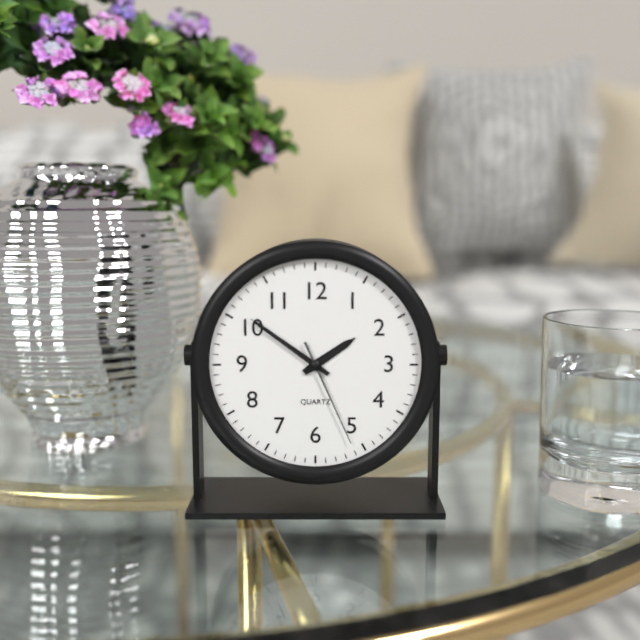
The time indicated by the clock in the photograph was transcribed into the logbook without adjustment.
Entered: 1:51:26
